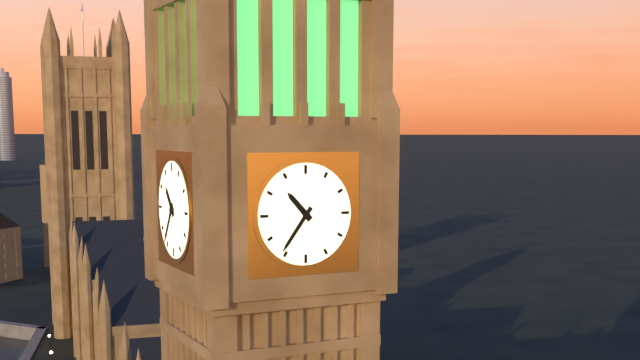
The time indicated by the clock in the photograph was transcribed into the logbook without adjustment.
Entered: 10:36
